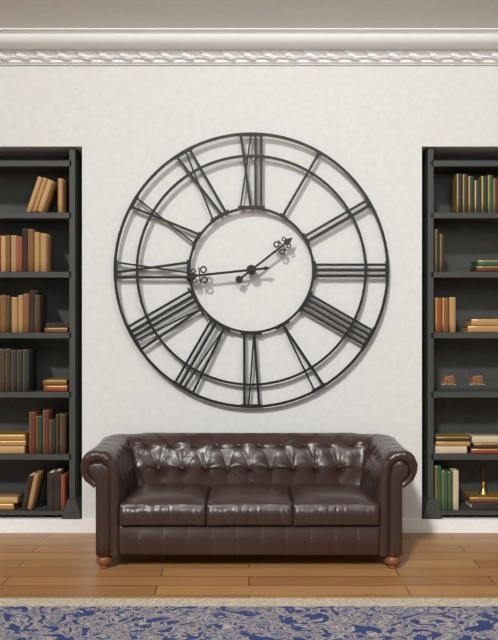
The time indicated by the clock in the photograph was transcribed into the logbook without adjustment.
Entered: 1:44
